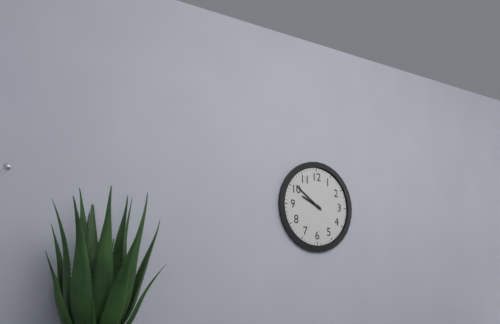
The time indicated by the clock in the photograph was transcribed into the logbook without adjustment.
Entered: 9:51
